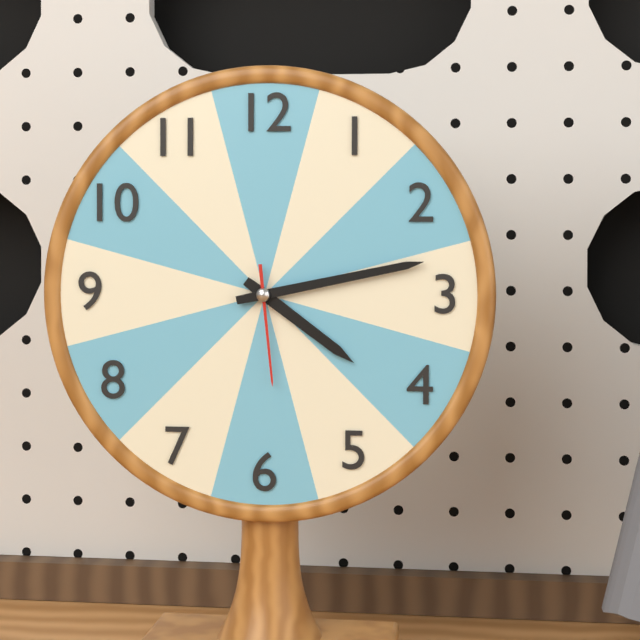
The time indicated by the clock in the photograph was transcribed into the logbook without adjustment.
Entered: 4:13:29
